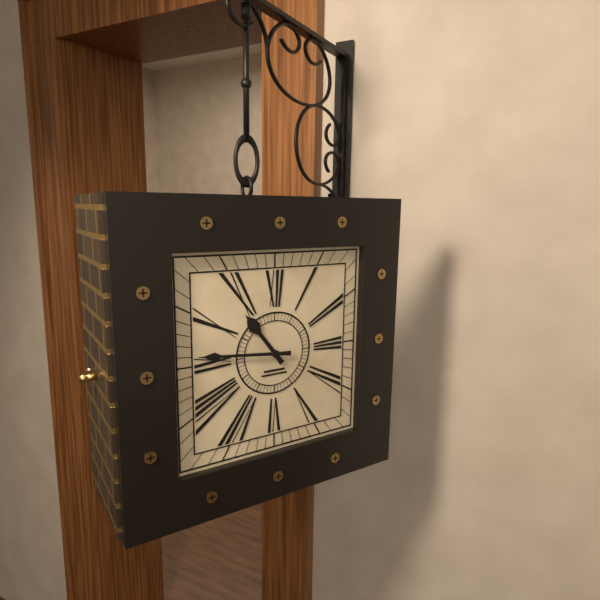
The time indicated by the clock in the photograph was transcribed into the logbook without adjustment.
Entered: 10:46
